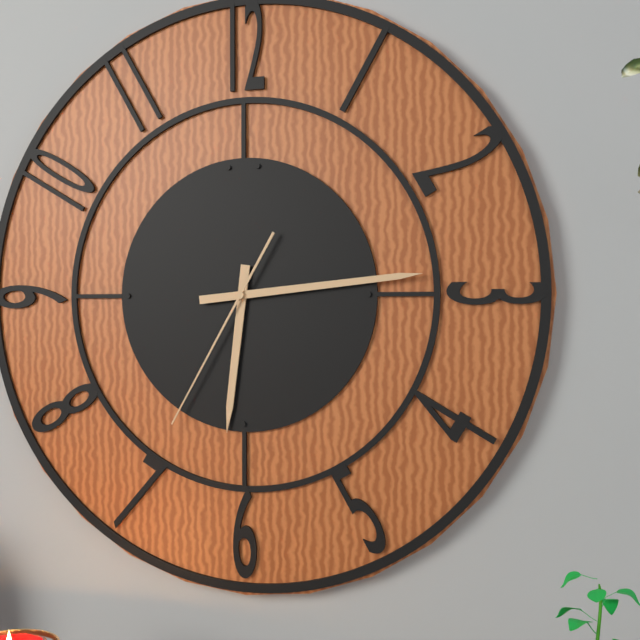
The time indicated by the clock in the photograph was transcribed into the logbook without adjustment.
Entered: 6:14:35
